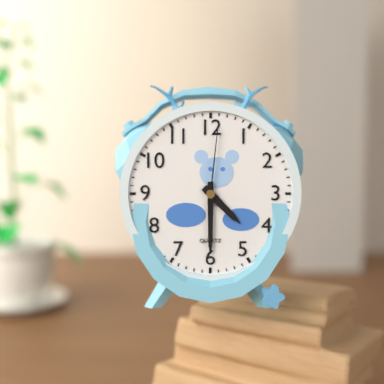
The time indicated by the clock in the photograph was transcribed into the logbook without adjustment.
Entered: 4:30:01
